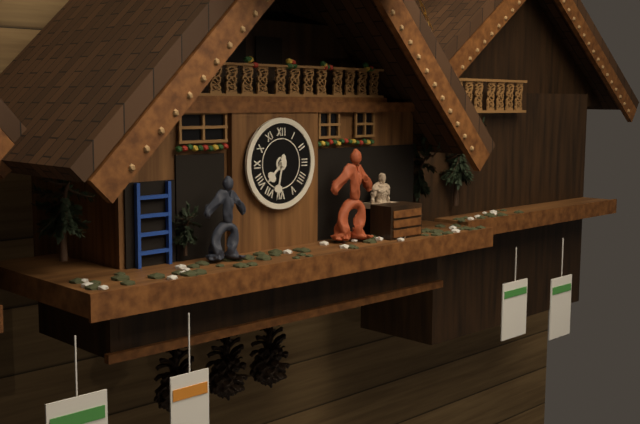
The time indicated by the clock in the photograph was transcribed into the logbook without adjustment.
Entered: 7:32
